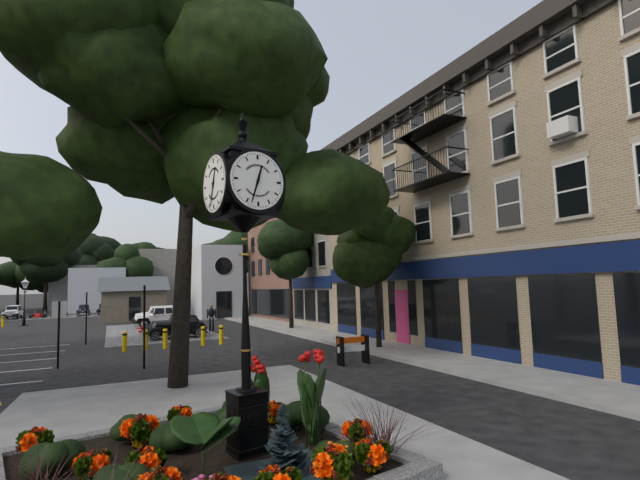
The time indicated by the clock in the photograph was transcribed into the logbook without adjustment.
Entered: 12:33
